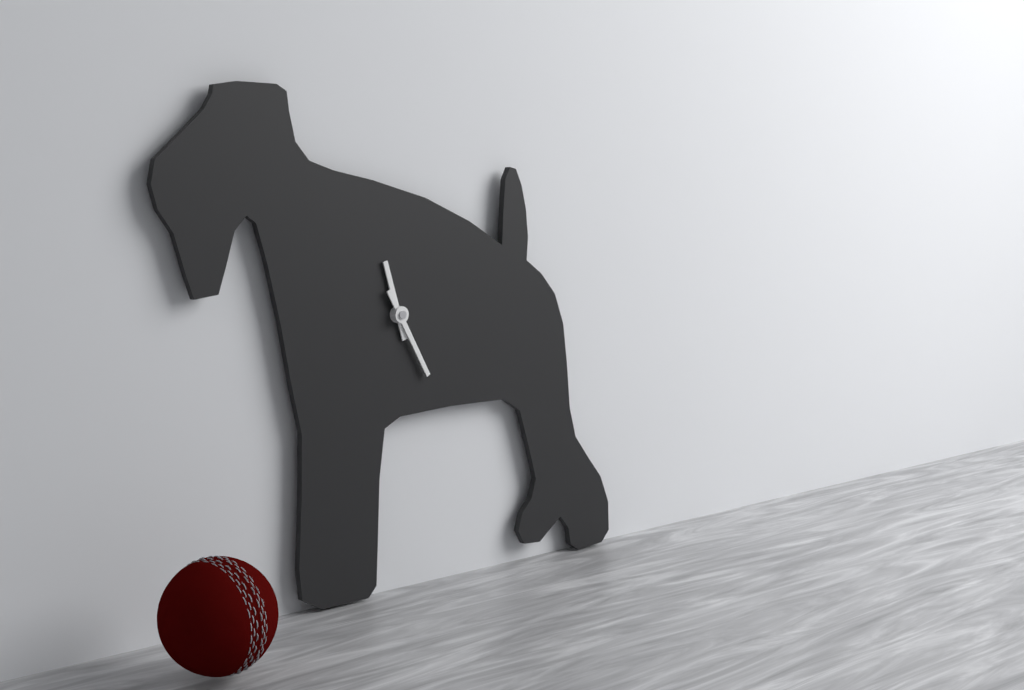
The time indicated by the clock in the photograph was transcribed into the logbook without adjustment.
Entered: 11:25
